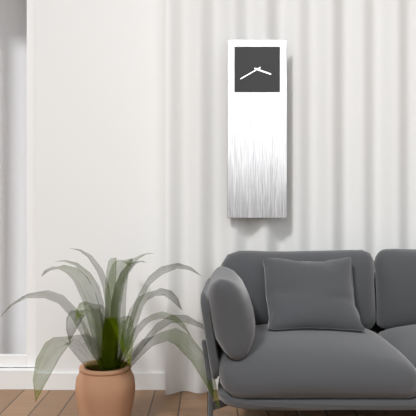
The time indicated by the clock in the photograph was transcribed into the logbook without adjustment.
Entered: 3:40
